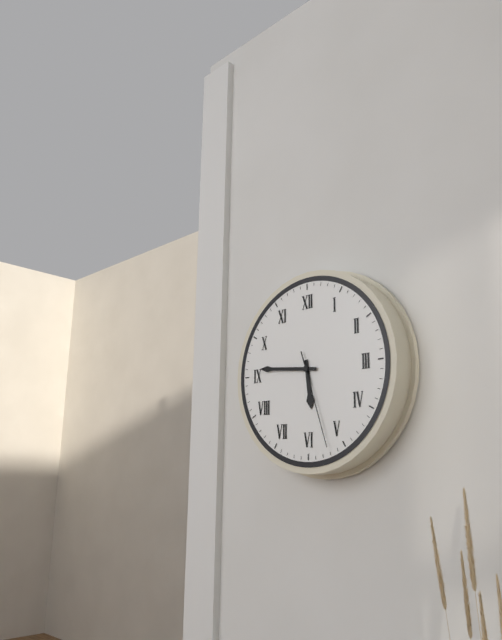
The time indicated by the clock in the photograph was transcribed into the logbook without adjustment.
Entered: 5:46:27
